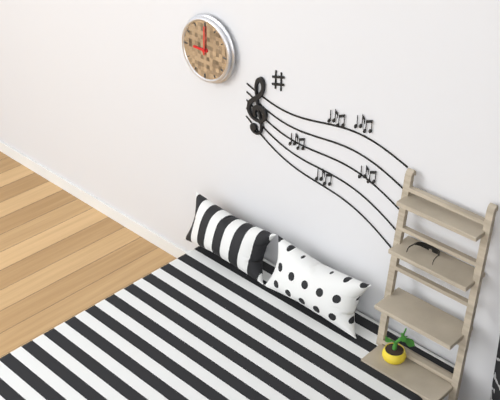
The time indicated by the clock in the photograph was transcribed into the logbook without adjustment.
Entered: 9:00
